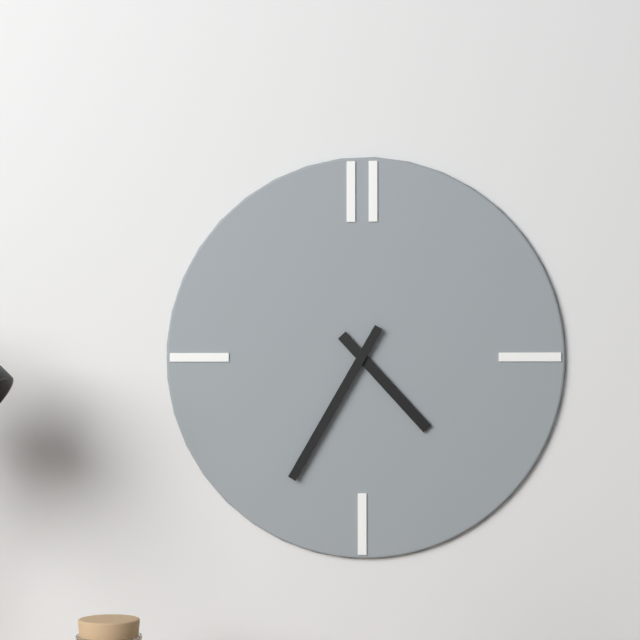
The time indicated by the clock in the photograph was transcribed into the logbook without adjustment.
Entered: 4:35
